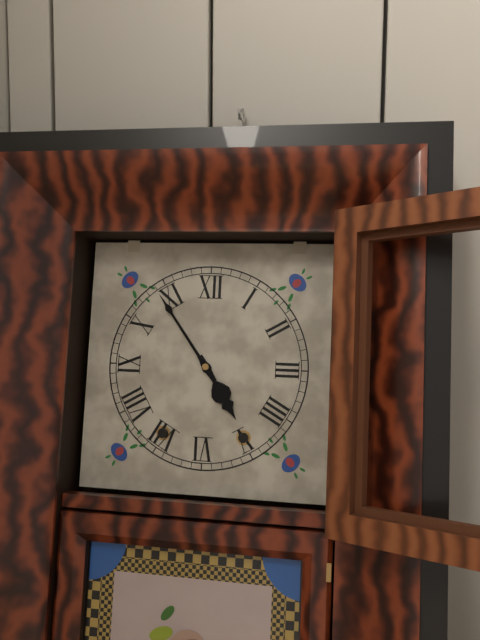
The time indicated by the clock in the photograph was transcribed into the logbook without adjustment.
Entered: 4:54
